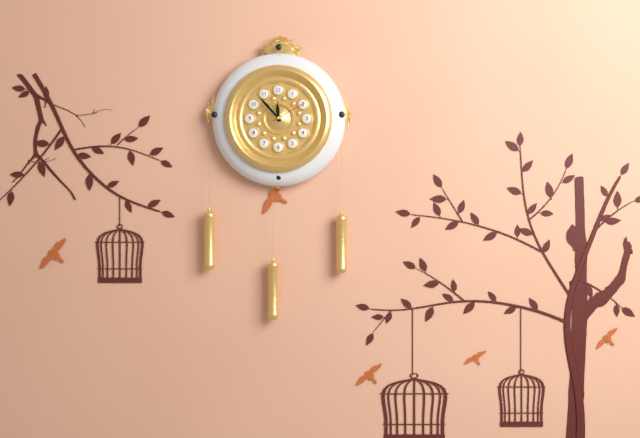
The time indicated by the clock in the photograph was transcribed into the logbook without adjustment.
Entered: 11:53
